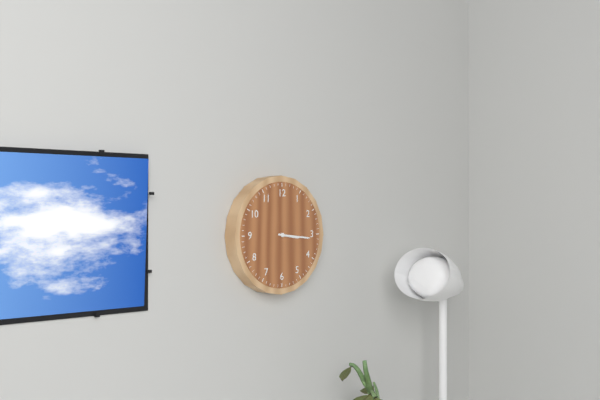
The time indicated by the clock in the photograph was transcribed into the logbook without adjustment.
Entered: 3:16
